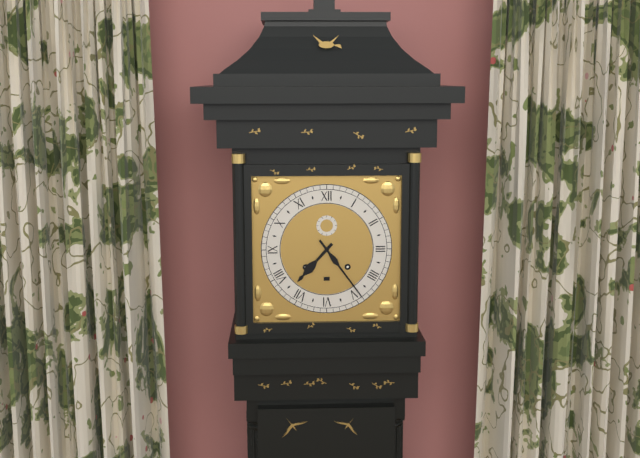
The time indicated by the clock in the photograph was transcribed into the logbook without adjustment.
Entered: 7:24
